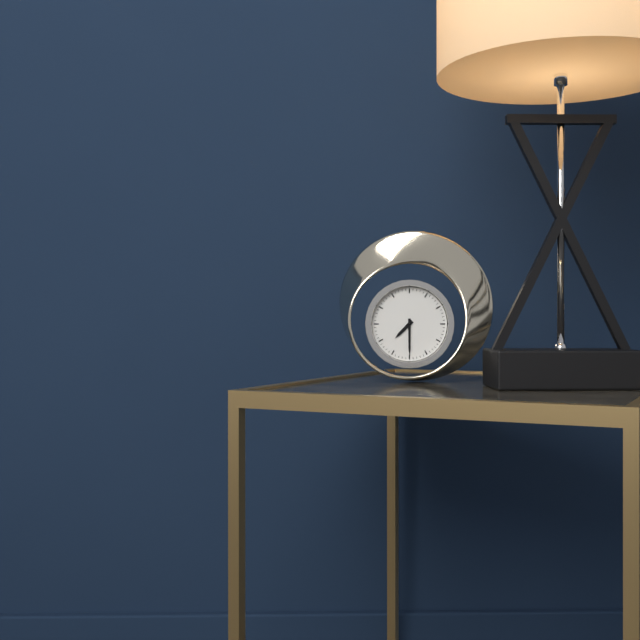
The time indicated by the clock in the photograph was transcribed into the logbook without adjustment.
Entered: 7:30
